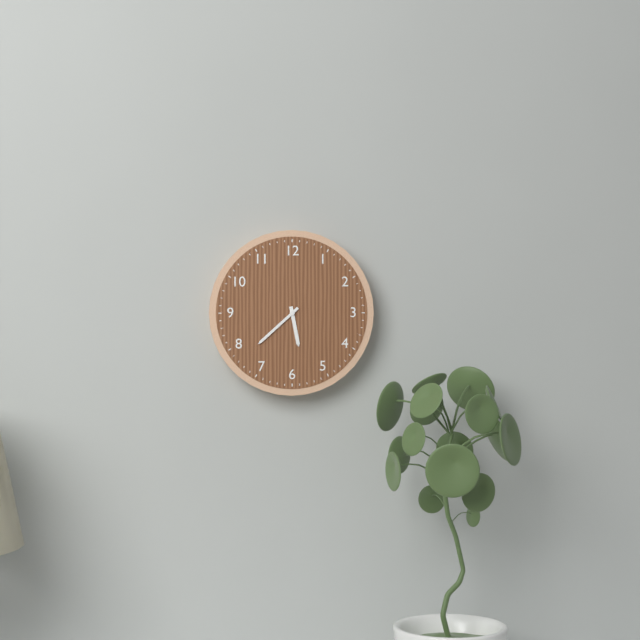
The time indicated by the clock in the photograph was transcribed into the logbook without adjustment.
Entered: 5:38
